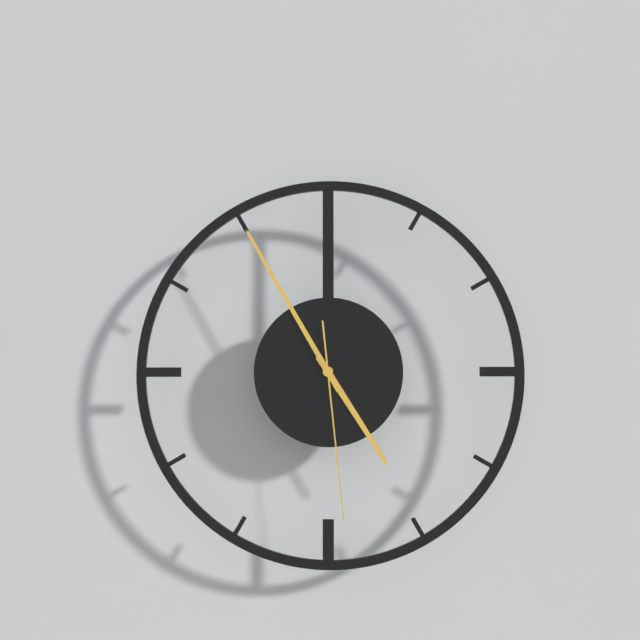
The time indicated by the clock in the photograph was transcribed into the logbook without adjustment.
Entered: 4:55:29
